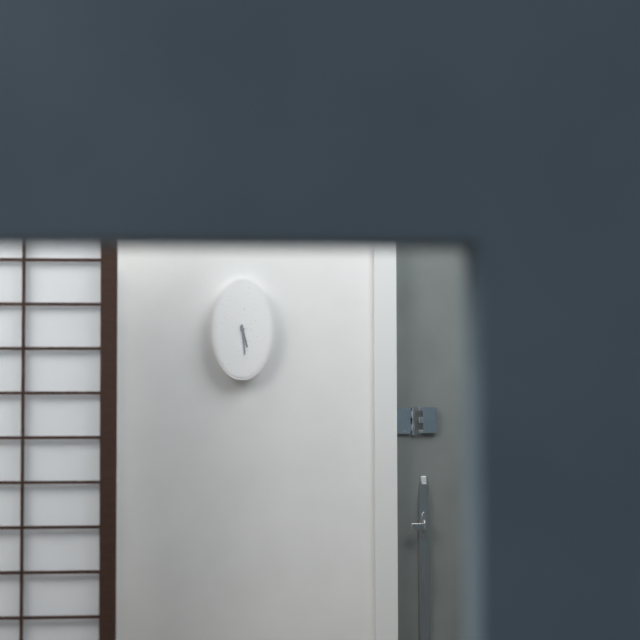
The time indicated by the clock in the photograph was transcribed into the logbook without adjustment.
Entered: 5:29
